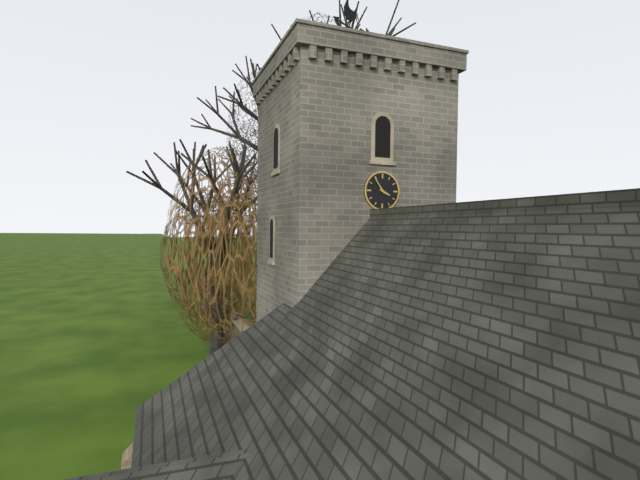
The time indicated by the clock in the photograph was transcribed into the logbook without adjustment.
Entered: 3:54
